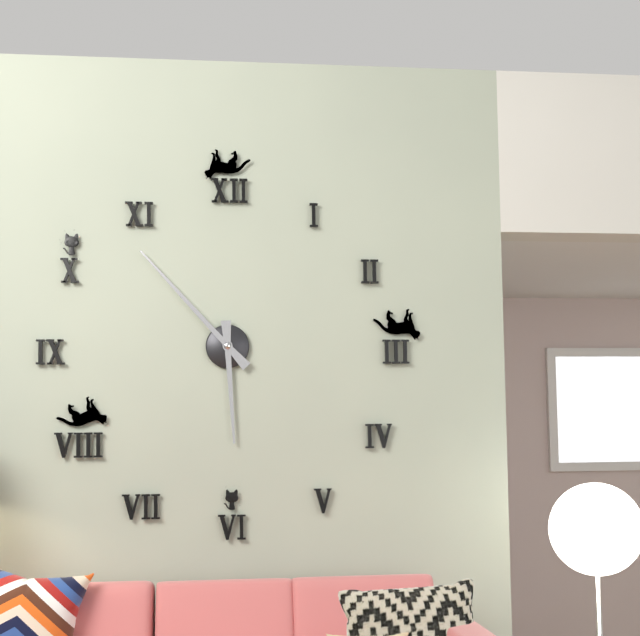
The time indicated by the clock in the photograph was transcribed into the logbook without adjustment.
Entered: 5:53
